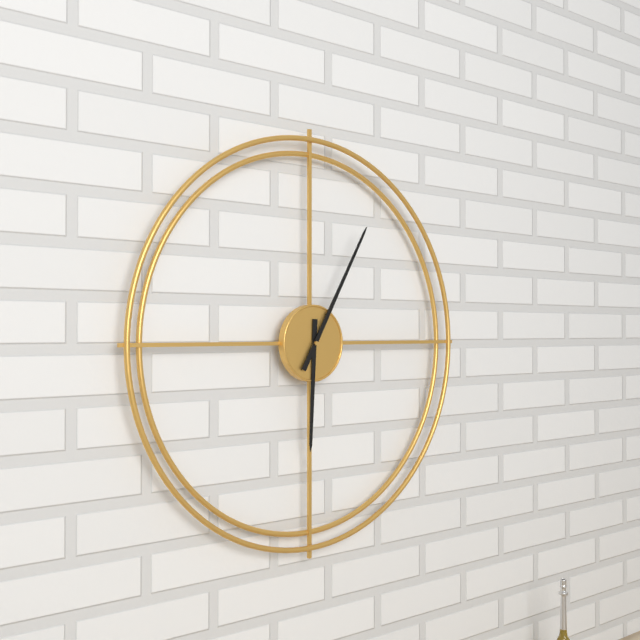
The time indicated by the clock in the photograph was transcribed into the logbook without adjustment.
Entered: 6:05
